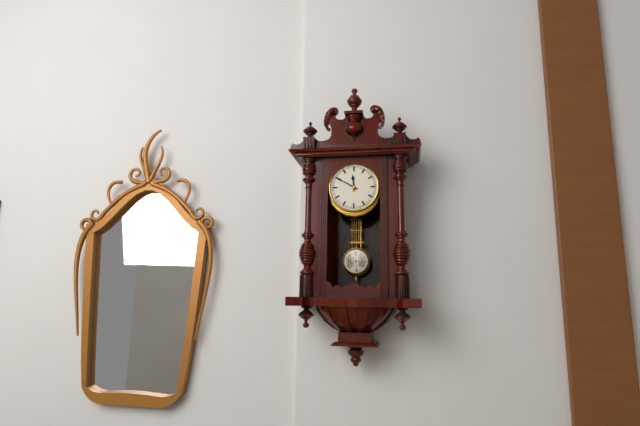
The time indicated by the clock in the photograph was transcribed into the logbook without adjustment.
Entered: 11:50
